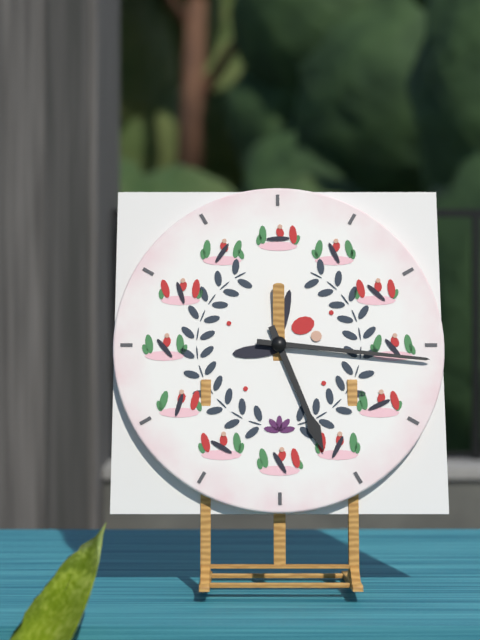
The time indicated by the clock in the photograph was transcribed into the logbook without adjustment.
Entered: 5:16
